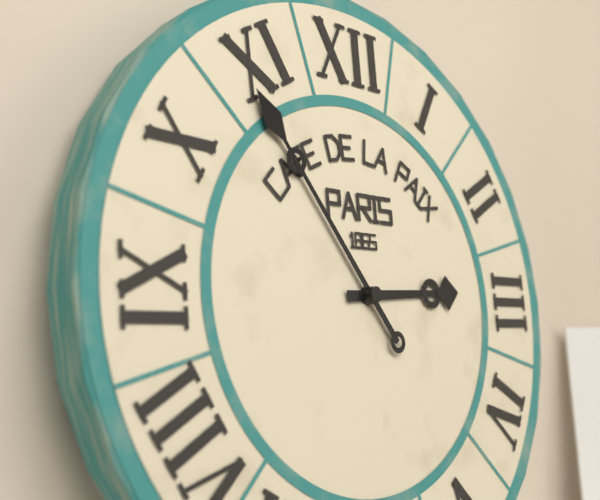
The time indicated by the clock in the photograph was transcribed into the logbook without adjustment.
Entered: 2:54
